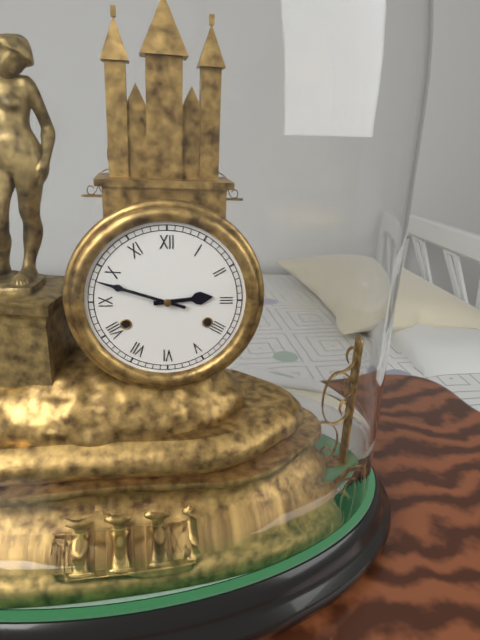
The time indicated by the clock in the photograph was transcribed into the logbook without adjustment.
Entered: 2:48
